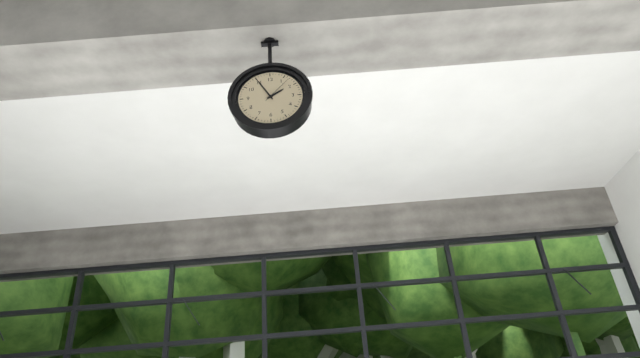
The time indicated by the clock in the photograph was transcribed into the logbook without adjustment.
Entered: 1:55
